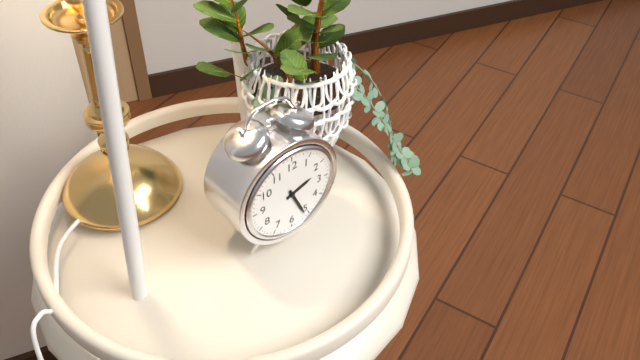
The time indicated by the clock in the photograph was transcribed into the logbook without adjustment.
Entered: 2:26
